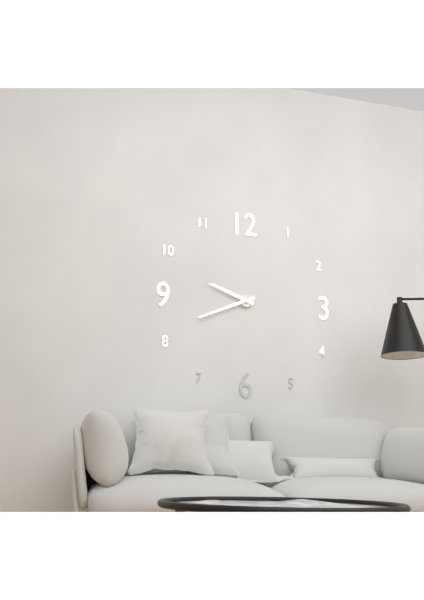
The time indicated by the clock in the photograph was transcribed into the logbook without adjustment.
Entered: 9:41
